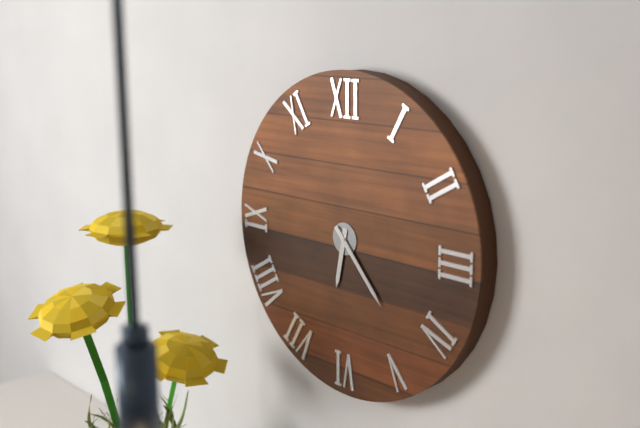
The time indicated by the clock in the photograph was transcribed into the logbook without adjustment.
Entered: 6:23
